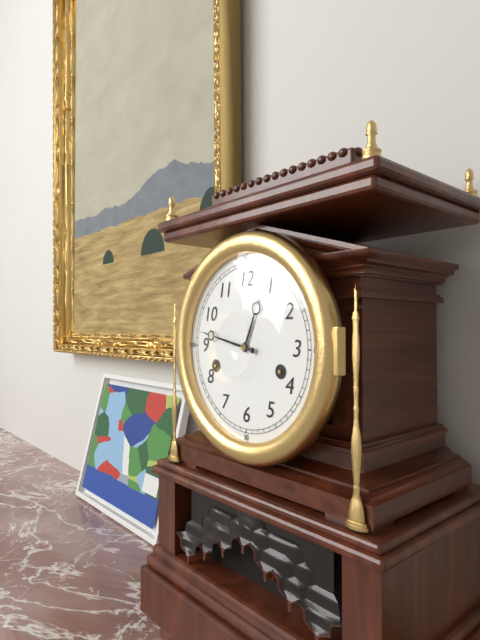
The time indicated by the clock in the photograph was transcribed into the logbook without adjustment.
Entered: 12:47
